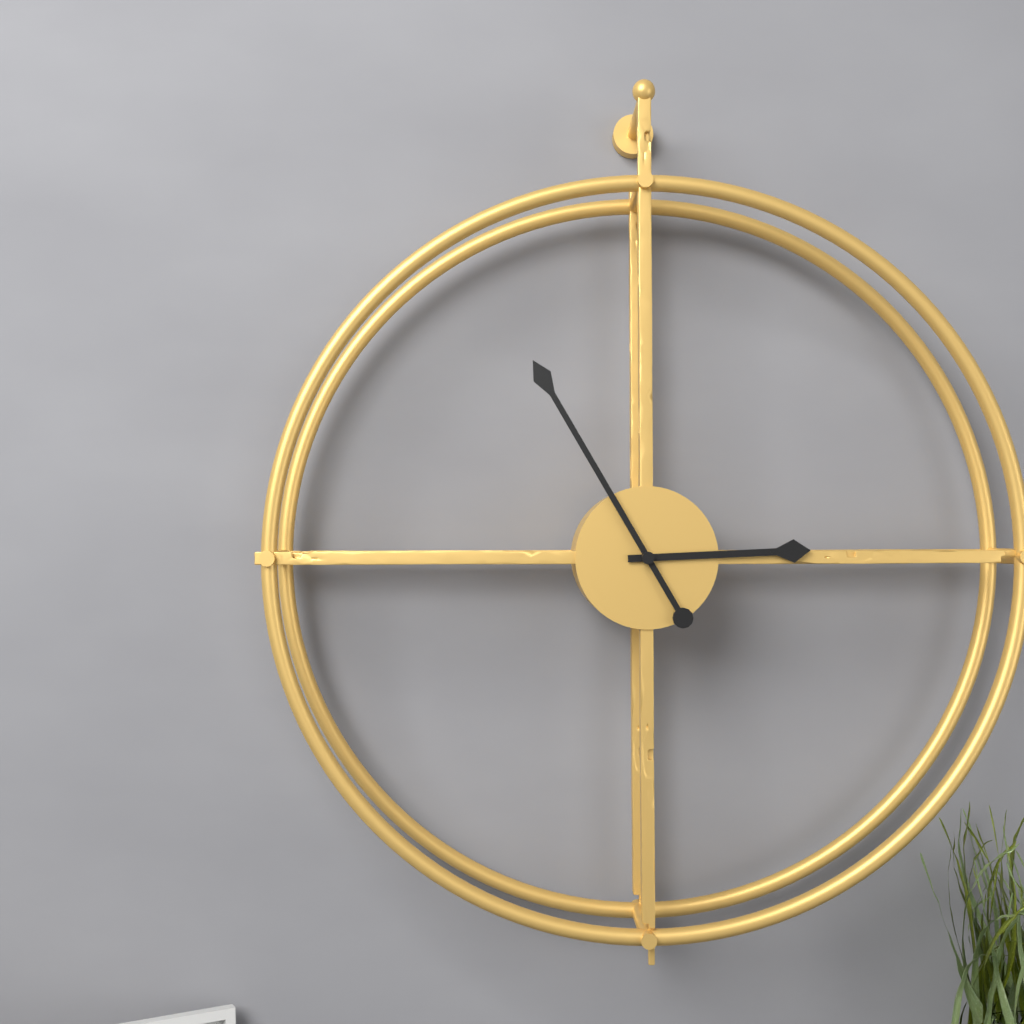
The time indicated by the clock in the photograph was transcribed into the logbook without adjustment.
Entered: 2:55
